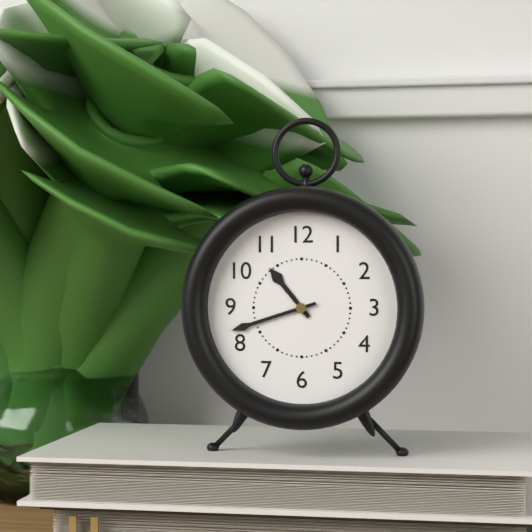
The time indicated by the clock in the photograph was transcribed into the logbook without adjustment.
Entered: 10:42
